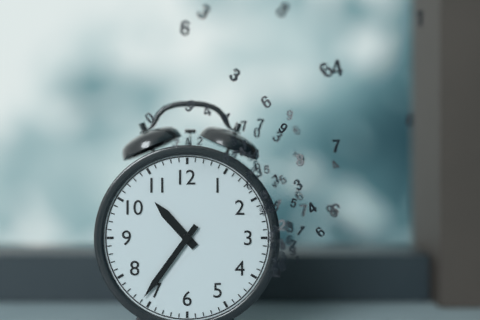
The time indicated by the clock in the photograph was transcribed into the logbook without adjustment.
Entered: 10:36
